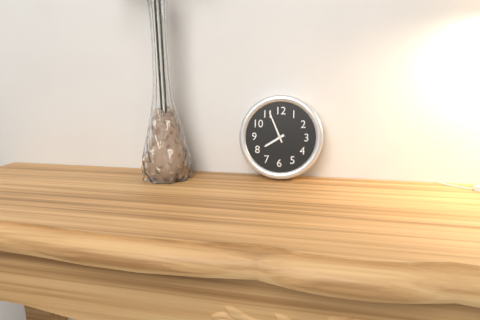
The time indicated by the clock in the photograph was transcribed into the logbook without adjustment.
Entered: 7:56
